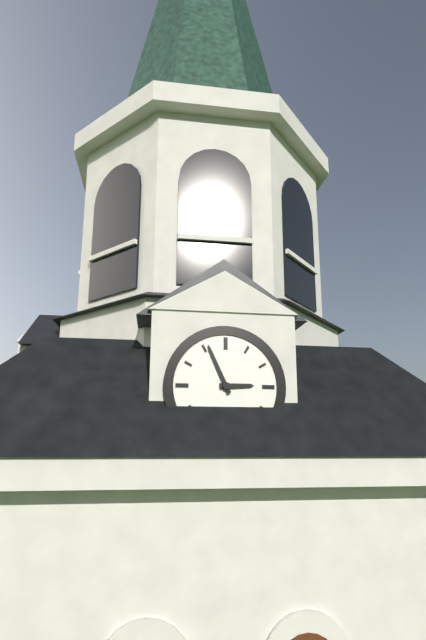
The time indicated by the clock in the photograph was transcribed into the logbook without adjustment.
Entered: 2:56
